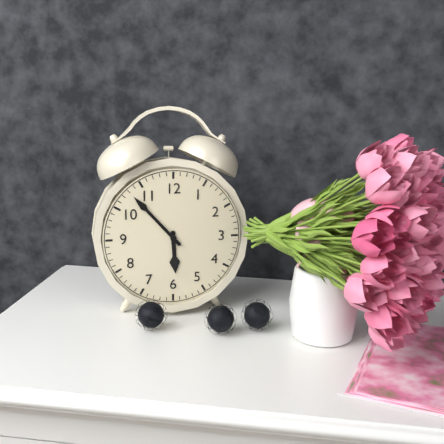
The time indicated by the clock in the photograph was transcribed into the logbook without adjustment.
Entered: 5:53
